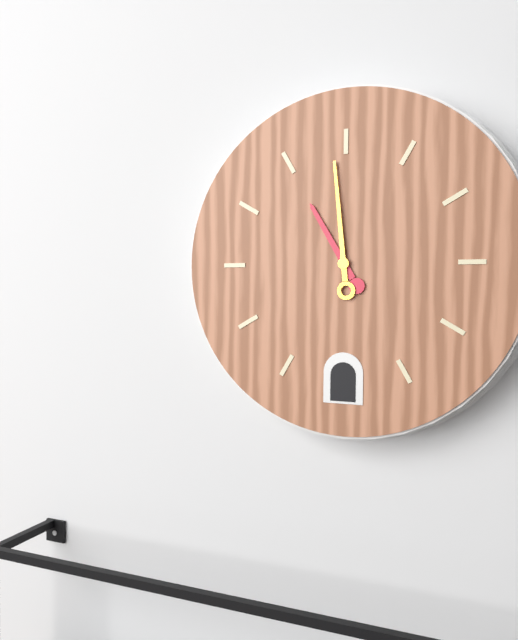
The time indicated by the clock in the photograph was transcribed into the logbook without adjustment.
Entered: 10:59
